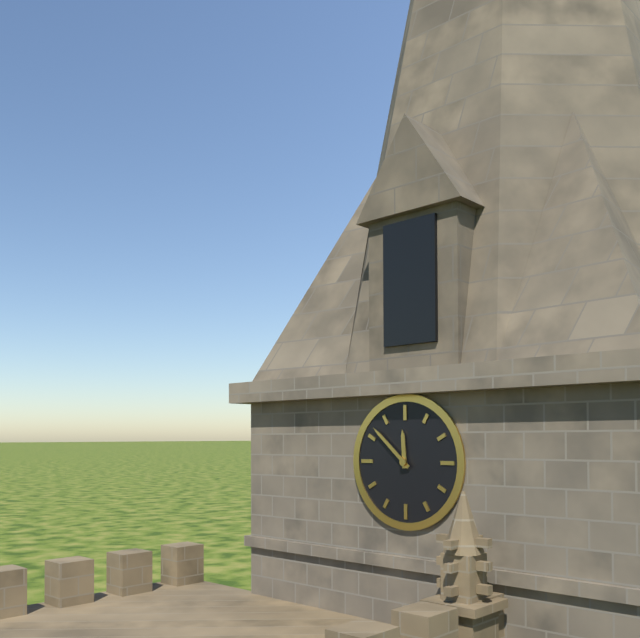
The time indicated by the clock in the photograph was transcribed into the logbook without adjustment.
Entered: 11:52
